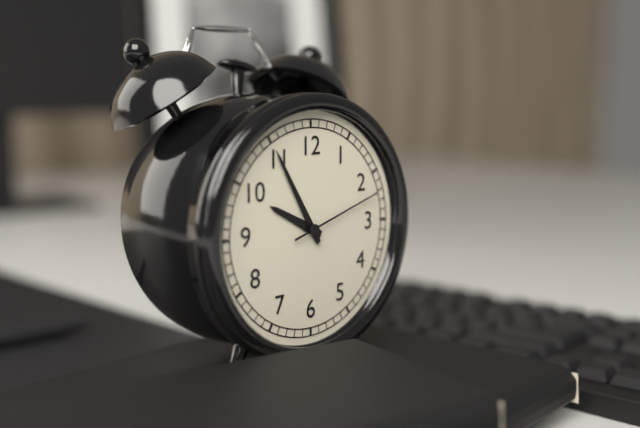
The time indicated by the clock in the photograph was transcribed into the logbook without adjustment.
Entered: 9:55:12
